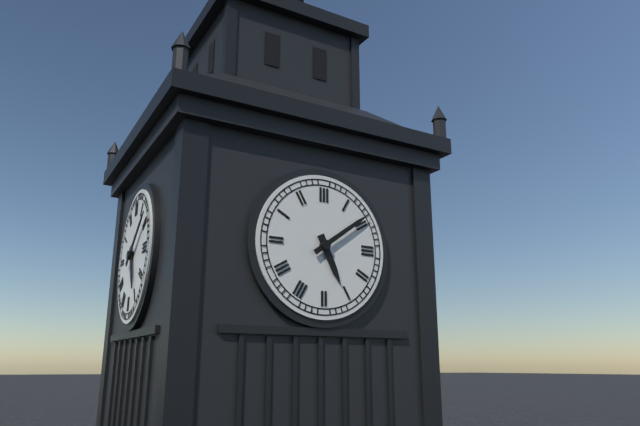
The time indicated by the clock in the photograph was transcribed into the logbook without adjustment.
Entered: 5:09
